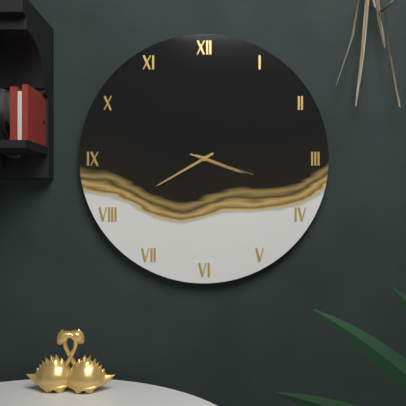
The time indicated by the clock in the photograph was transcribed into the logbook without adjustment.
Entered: 3:40:18
